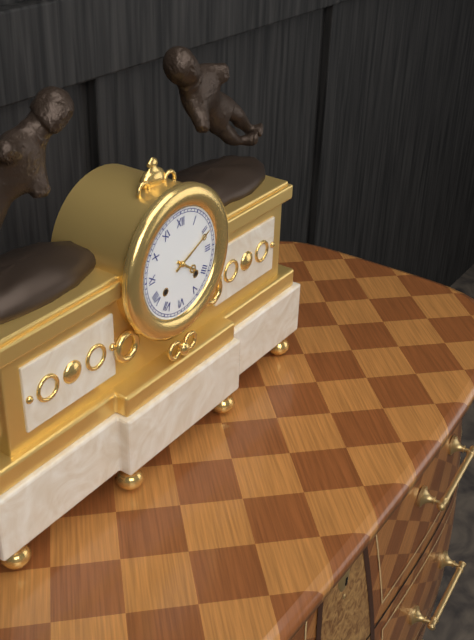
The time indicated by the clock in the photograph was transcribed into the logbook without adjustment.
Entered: 4:11
